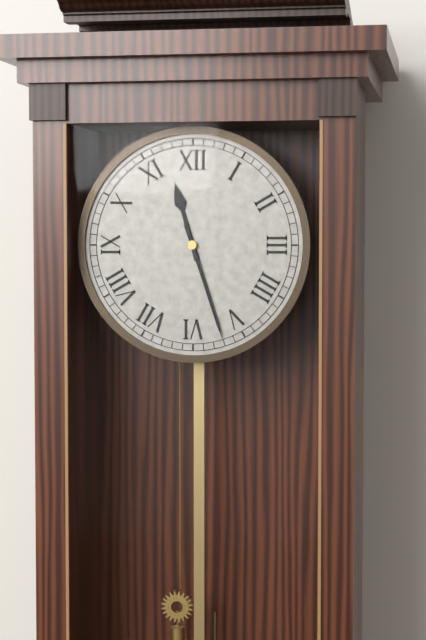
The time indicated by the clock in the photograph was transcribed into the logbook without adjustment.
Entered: 11:27
